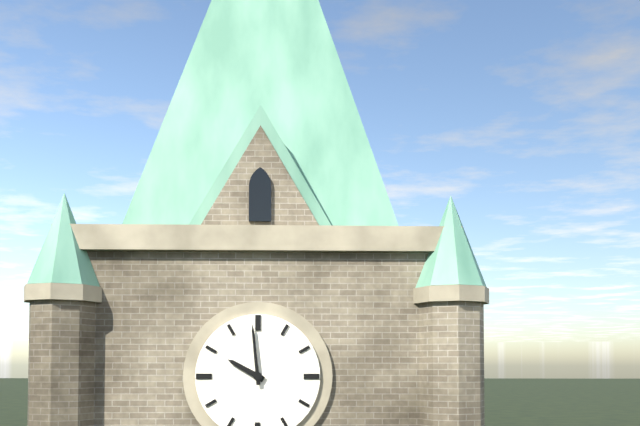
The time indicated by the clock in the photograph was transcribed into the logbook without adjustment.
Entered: 9:59
